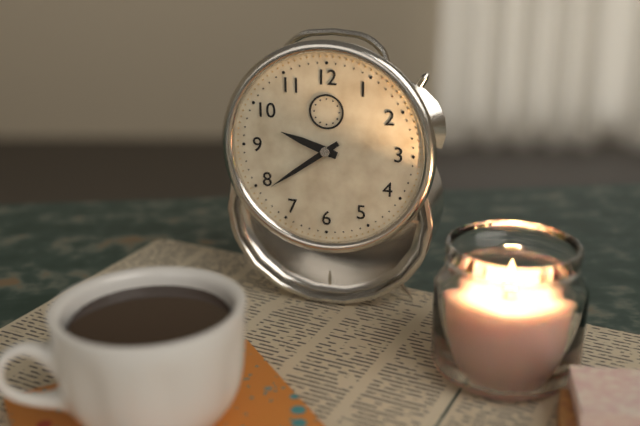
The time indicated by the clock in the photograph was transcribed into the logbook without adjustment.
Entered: 9:39
